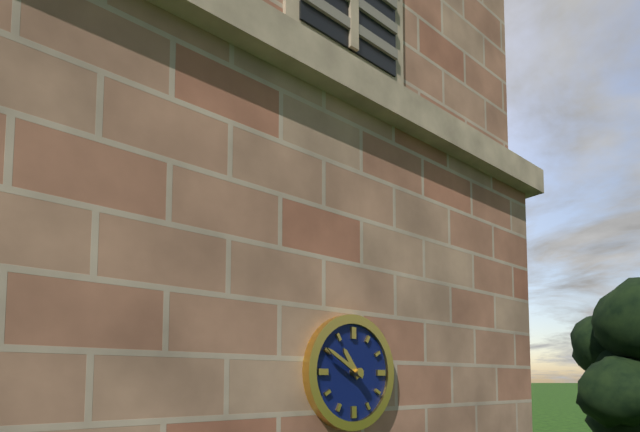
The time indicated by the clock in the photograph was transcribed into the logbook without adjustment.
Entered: 10:50
